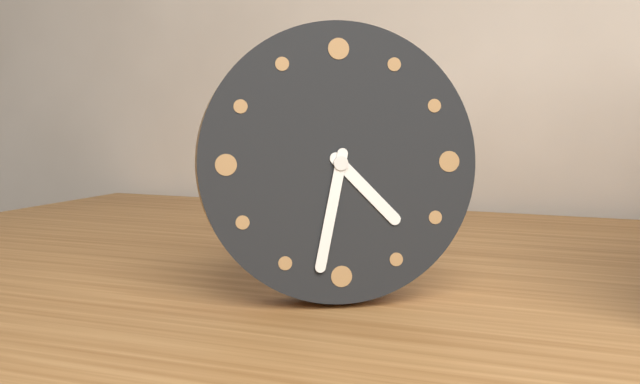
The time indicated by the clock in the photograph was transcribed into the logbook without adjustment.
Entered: 4:32
